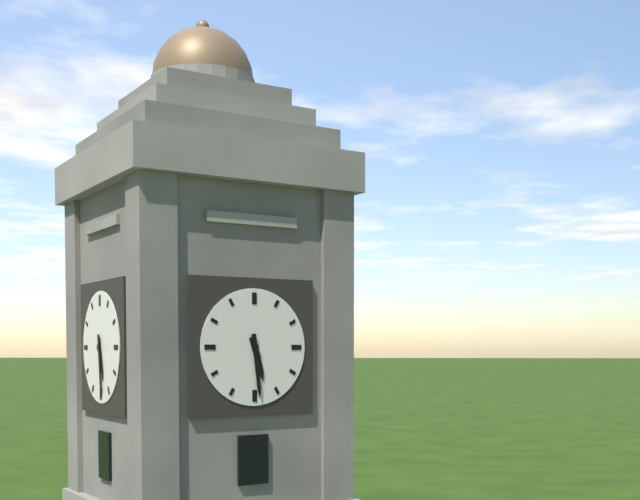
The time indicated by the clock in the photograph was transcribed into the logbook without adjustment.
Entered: 5:29
